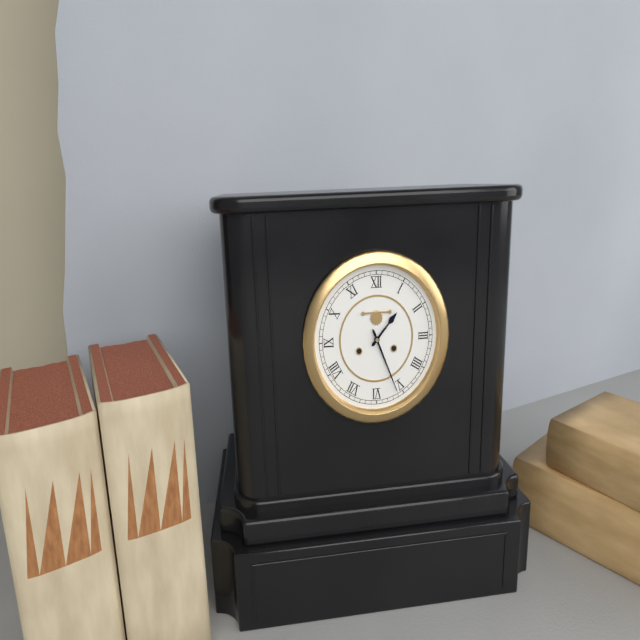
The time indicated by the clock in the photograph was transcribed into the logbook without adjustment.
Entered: 1:26
